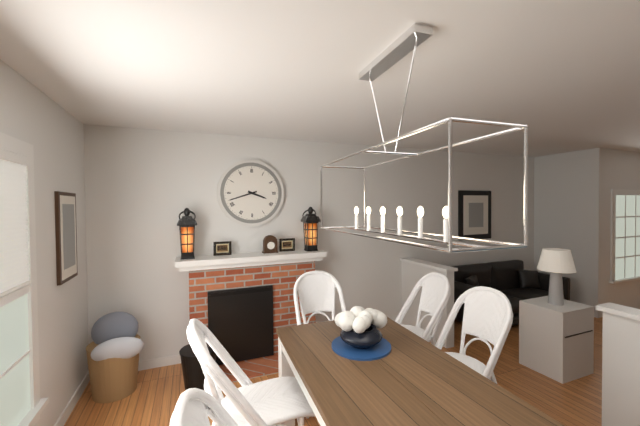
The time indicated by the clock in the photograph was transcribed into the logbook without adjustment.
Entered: 3:42
